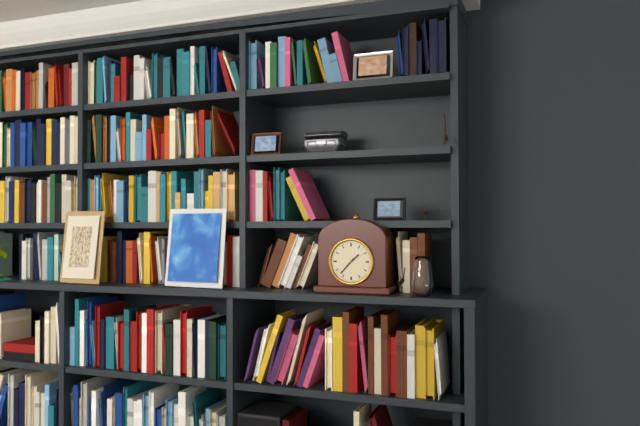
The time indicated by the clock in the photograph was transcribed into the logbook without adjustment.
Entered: 1:37
